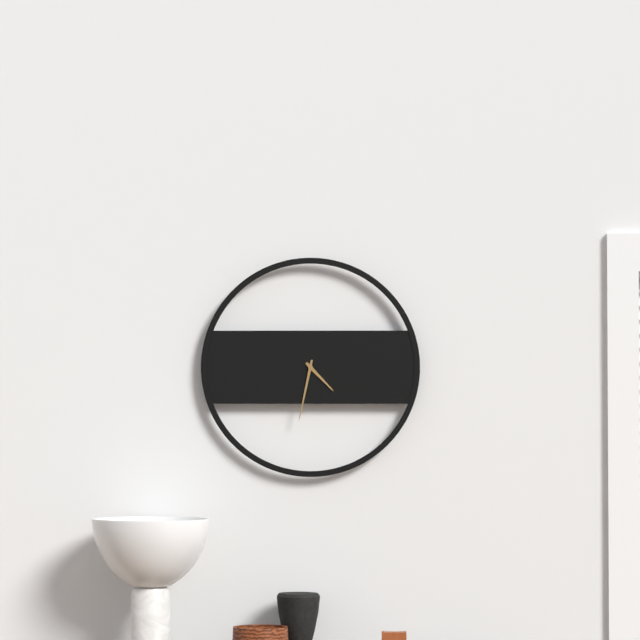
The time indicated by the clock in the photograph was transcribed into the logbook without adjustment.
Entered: 4:32
